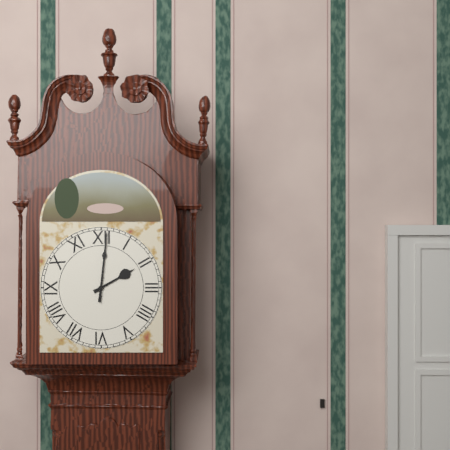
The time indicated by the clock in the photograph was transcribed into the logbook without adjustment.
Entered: 2:01
